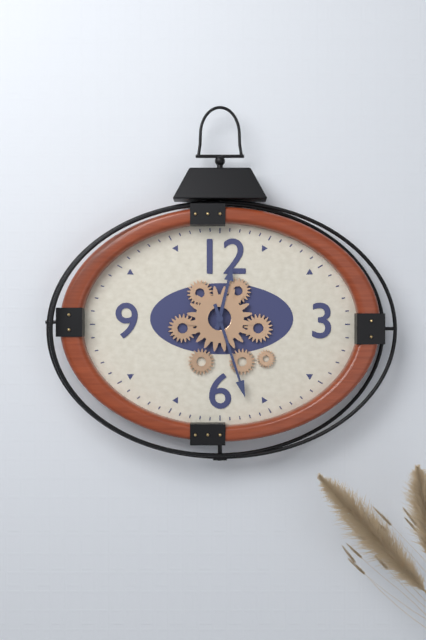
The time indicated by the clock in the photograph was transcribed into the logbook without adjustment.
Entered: 12:27
